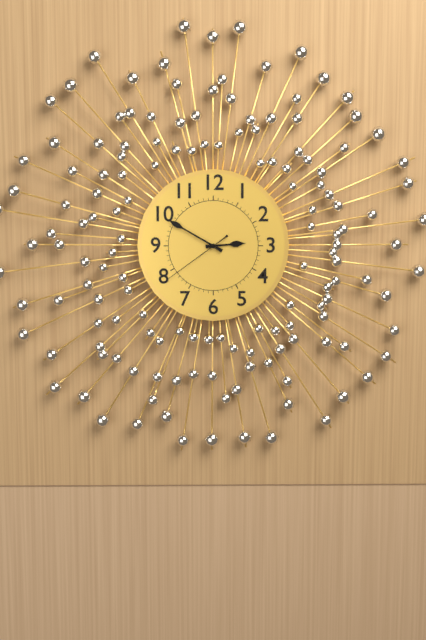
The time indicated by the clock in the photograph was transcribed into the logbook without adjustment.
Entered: 2:50:39
